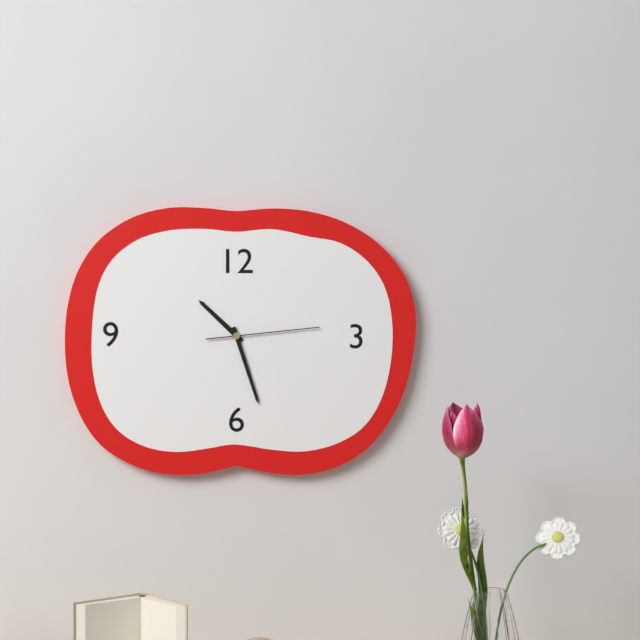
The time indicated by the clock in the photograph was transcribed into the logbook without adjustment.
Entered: 10:27:14
